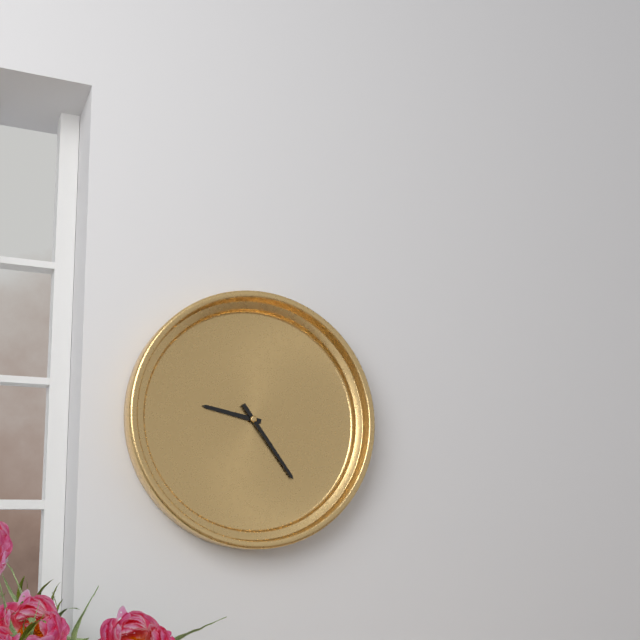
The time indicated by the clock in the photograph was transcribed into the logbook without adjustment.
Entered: 9:24
